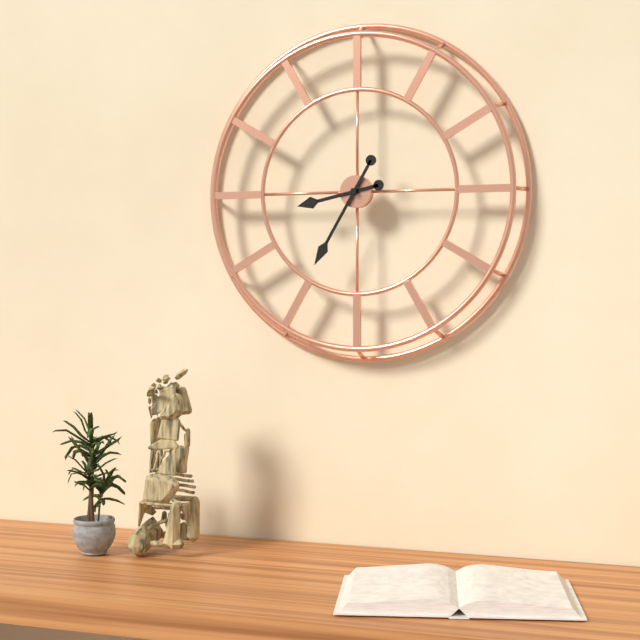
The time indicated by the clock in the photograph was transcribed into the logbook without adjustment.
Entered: 8:35
